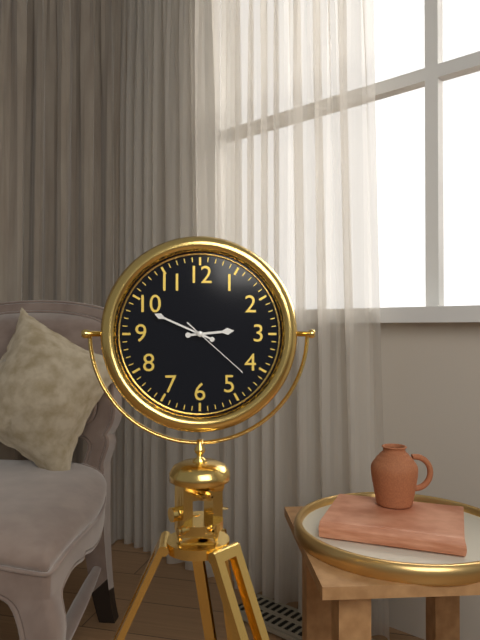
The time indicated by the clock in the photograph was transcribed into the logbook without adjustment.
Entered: 2:49:22
